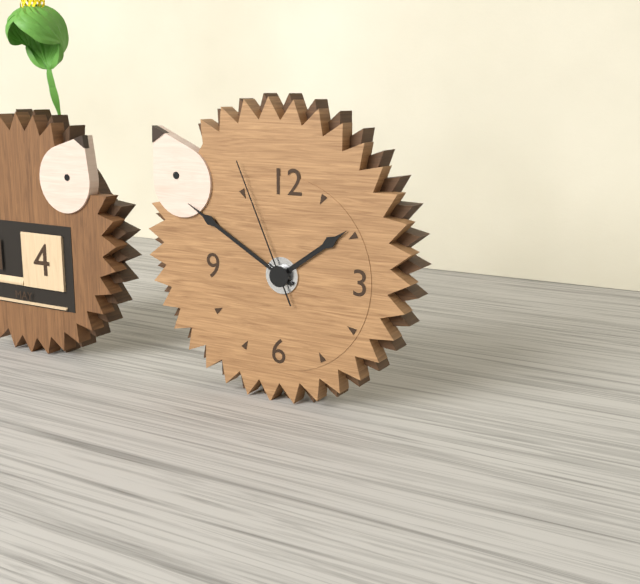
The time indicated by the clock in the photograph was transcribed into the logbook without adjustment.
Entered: 1:50:56
